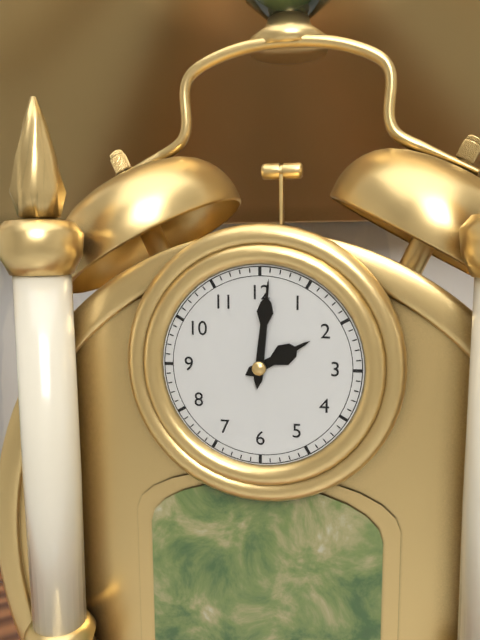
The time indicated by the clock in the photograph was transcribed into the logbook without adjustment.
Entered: 2:01
